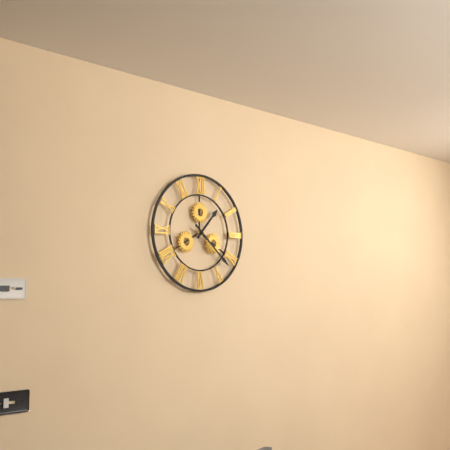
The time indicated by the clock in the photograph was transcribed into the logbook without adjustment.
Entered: 1:22
